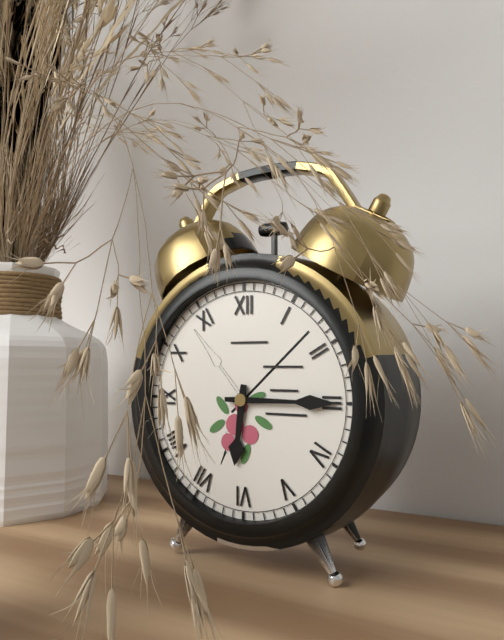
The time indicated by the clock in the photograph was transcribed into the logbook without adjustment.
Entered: 6:15
